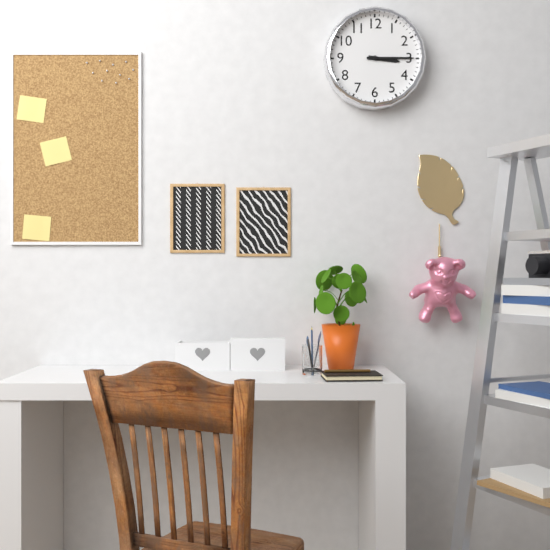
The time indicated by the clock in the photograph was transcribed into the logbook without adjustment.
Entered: 3:15
